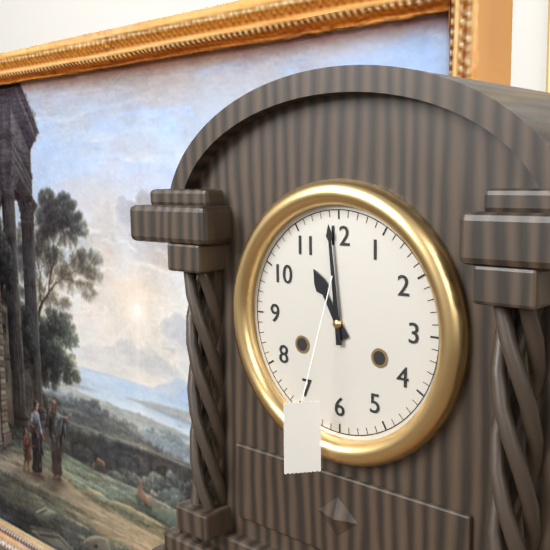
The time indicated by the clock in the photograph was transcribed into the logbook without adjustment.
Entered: 10:59
